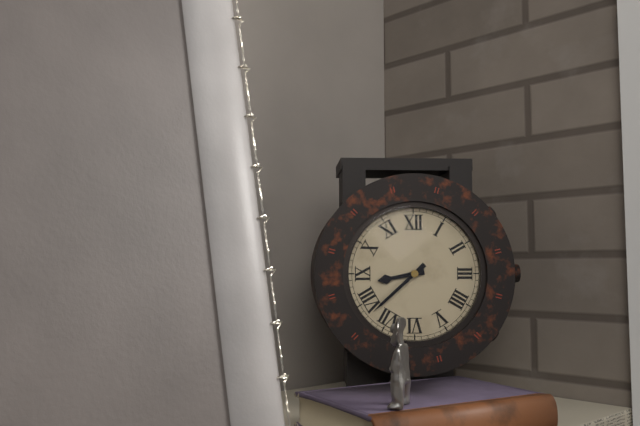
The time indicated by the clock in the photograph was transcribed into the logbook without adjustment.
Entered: 8:38
